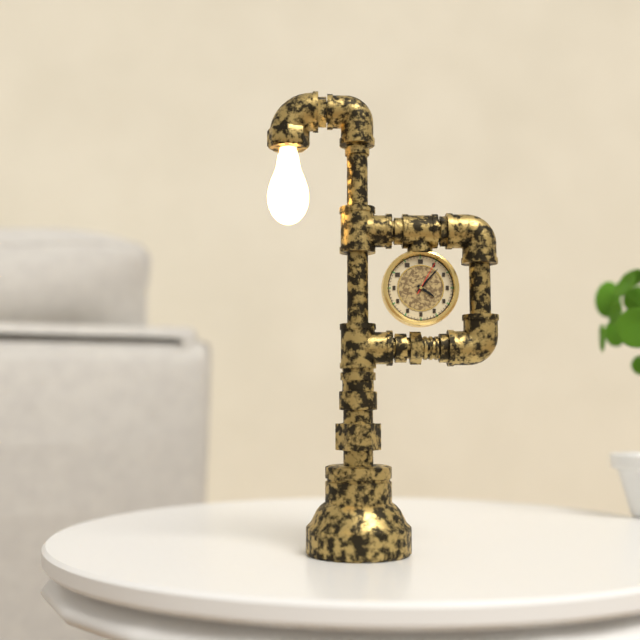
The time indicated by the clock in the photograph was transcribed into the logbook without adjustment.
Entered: 4:07
